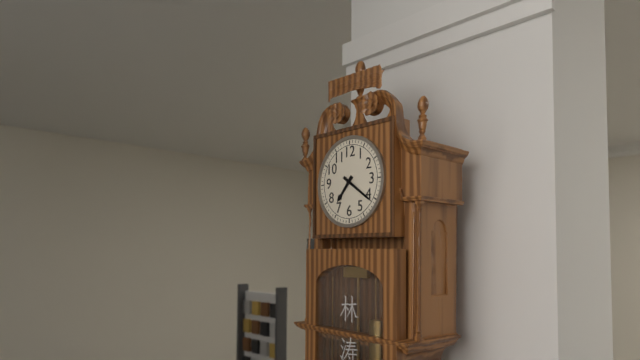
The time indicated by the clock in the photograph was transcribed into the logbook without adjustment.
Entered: 7:21
